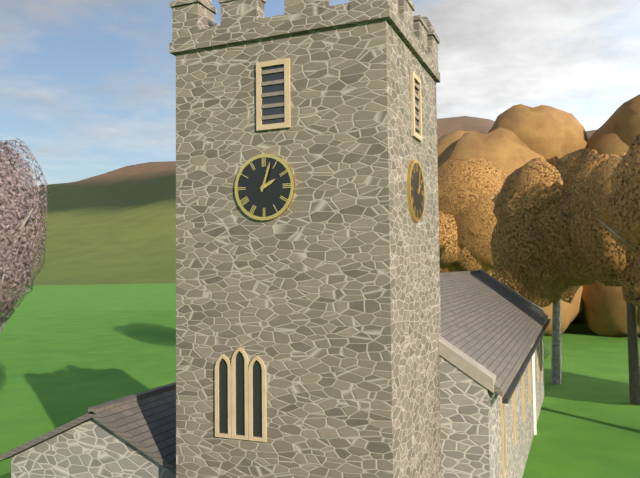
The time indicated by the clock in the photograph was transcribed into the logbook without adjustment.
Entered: 2:03
